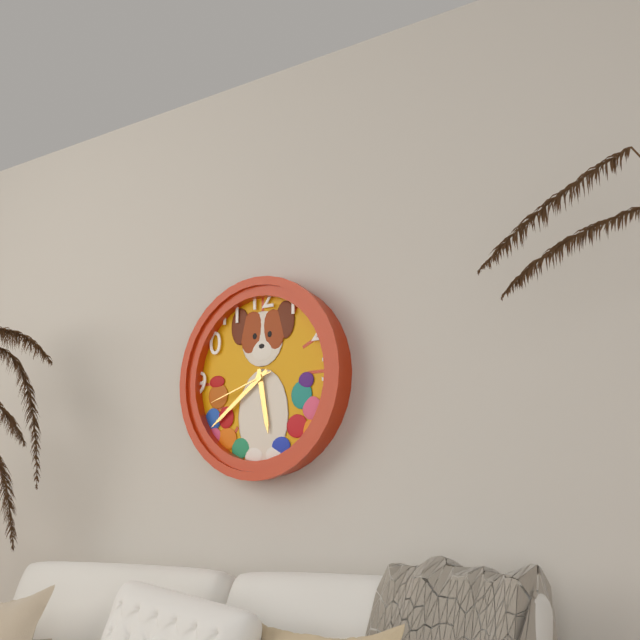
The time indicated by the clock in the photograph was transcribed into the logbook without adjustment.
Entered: 5:39:42
